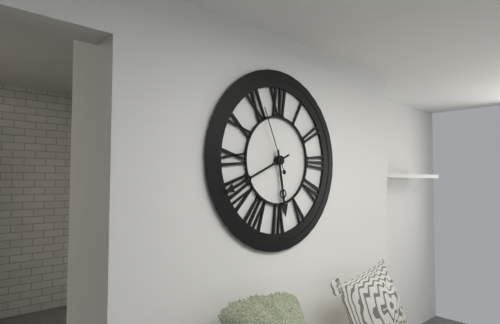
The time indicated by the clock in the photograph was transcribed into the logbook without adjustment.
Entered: 5:41:56
